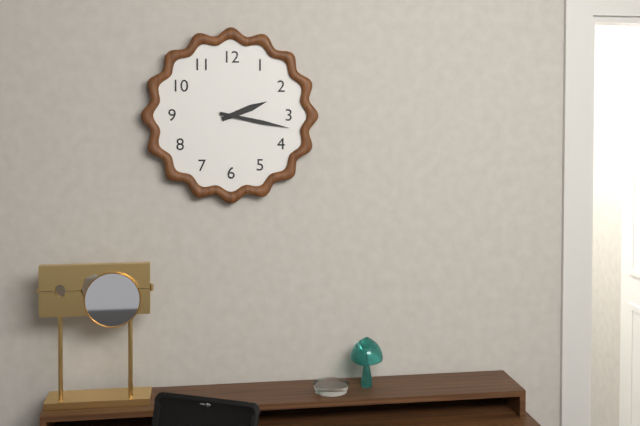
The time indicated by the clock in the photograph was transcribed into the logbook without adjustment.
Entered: 2:17
